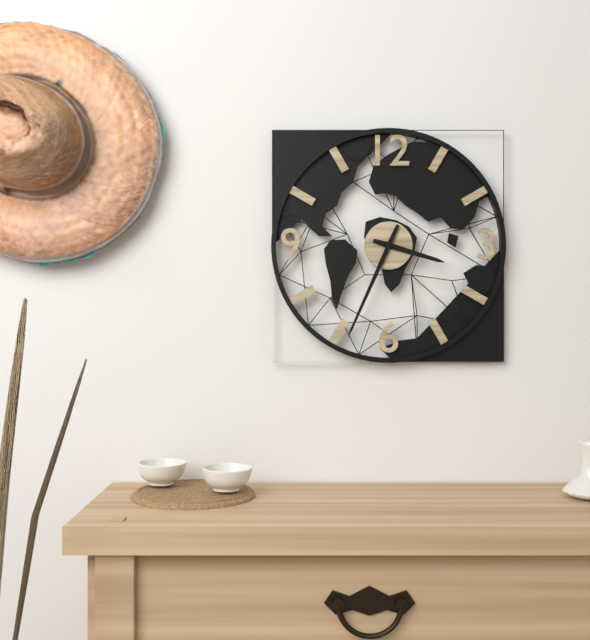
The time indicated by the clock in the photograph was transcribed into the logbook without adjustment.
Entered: 3:34
